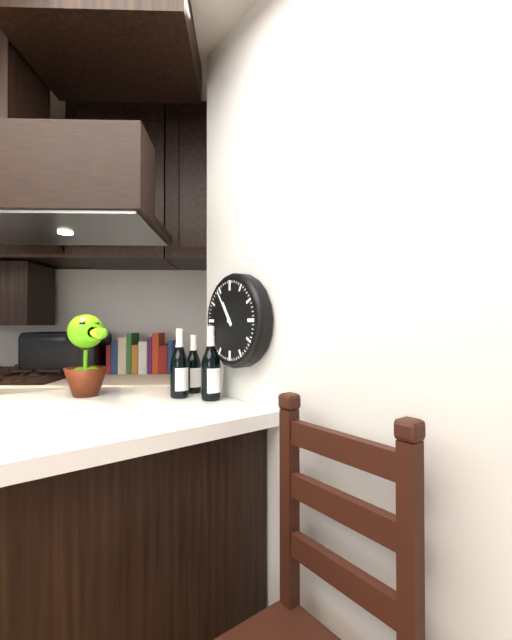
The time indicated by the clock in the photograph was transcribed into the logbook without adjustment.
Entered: 10:54
